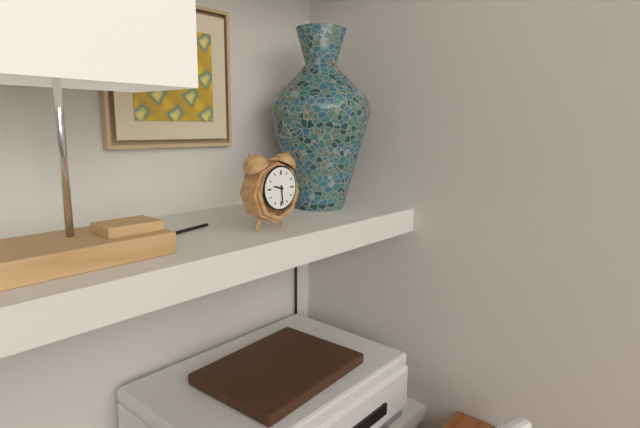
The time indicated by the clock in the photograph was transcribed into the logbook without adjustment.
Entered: 9:29
